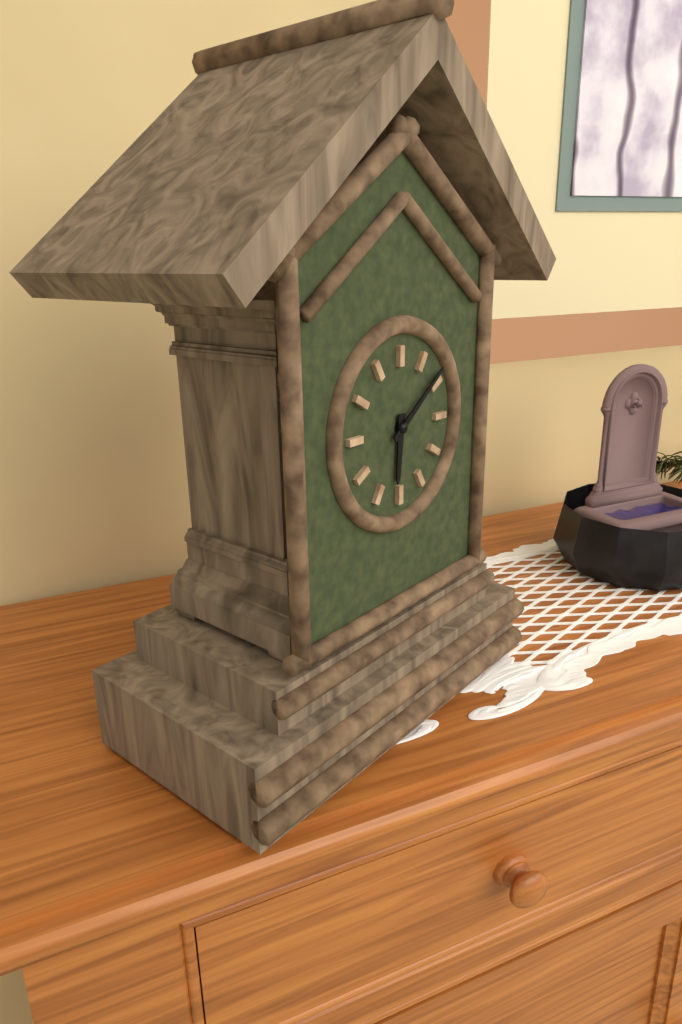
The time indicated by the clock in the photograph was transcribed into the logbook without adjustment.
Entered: 6:09
